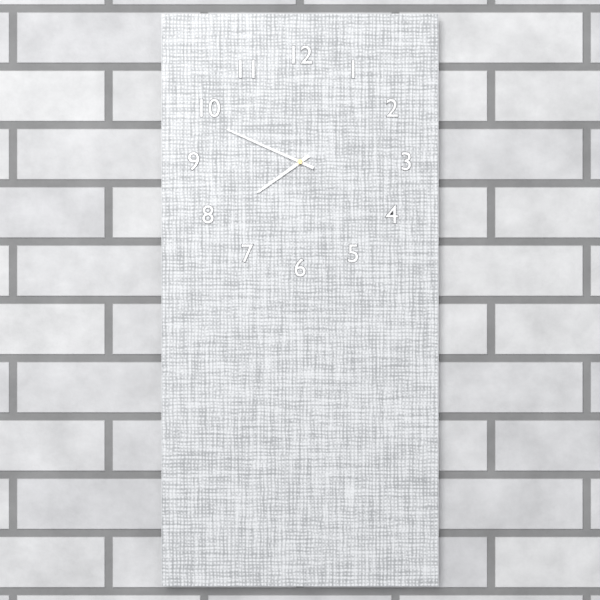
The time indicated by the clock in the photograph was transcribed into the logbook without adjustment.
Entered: 7:49
